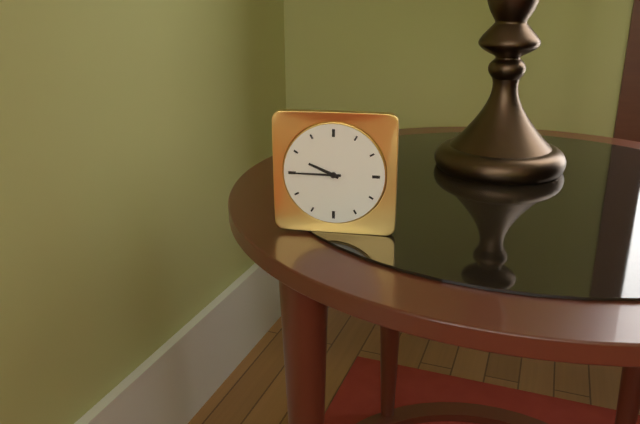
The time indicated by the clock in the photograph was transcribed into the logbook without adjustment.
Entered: 9:45
